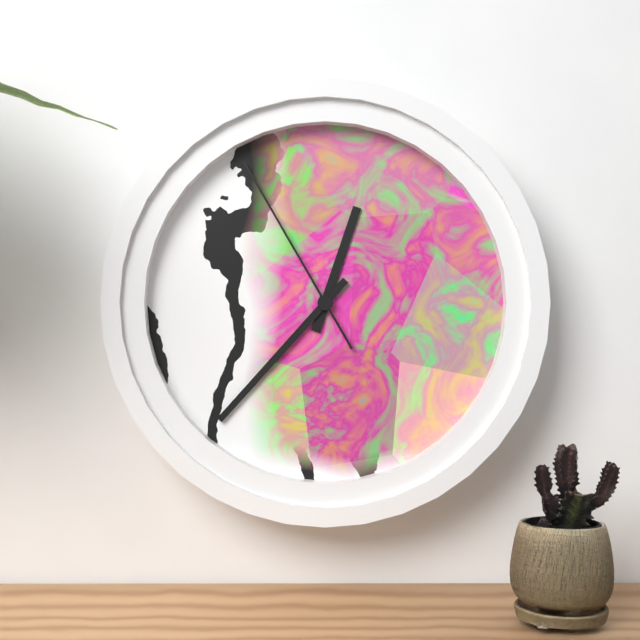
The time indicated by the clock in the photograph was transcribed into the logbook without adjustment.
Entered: 12:37:55
